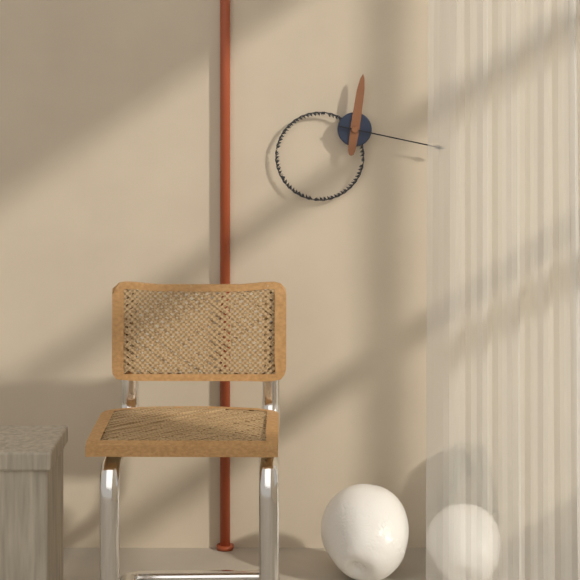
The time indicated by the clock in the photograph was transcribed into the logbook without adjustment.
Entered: 12:17
